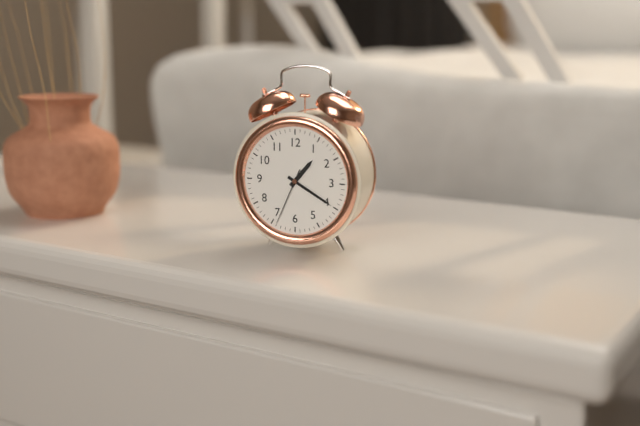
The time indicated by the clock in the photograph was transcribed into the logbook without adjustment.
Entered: 1:20:34
